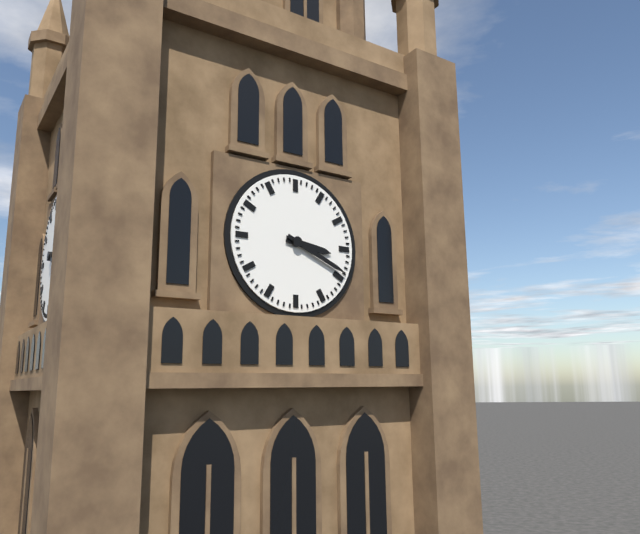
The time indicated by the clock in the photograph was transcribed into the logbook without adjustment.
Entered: 3:19
